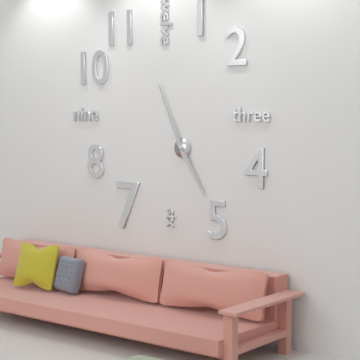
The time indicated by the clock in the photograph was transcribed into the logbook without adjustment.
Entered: 4:56
